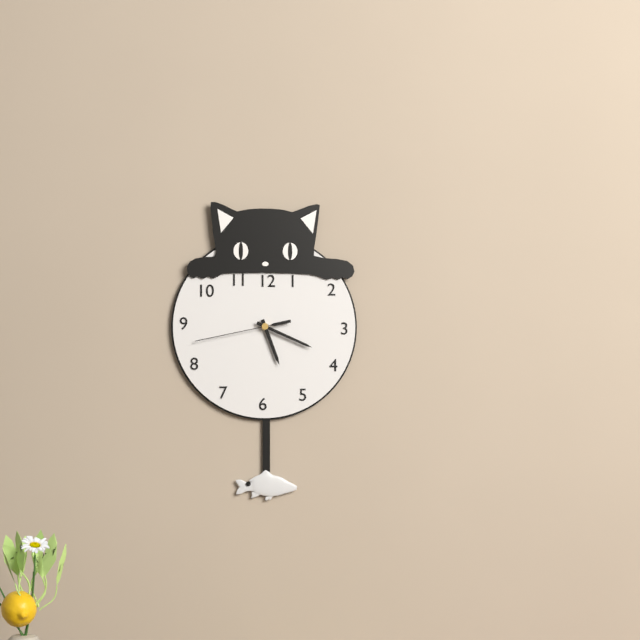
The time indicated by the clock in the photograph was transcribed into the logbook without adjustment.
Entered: 5:19:43
